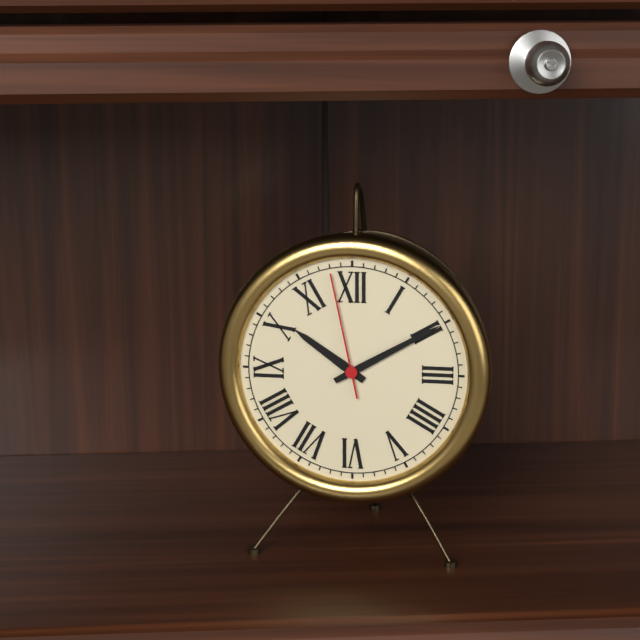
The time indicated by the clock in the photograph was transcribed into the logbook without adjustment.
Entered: 10:10:58
